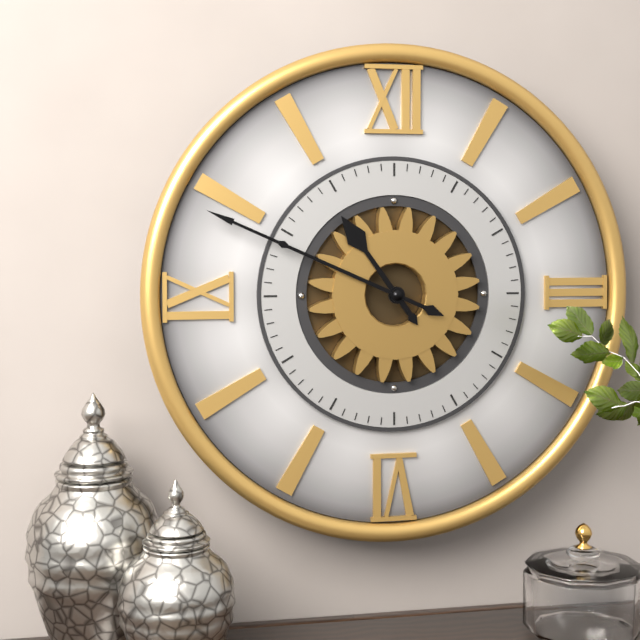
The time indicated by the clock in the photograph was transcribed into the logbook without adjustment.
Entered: 10:49
